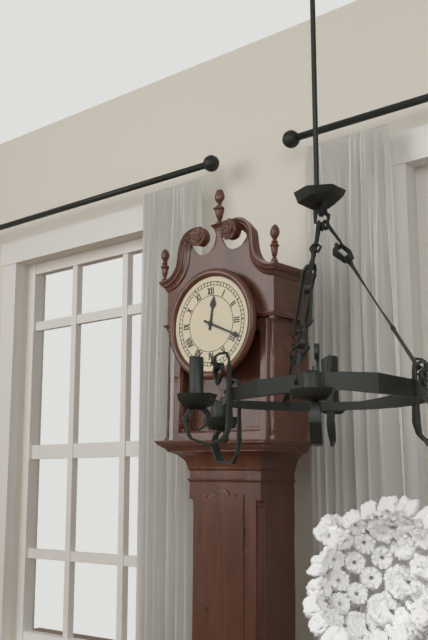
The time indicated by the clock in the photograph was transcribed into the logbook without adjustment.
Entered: 12:19
